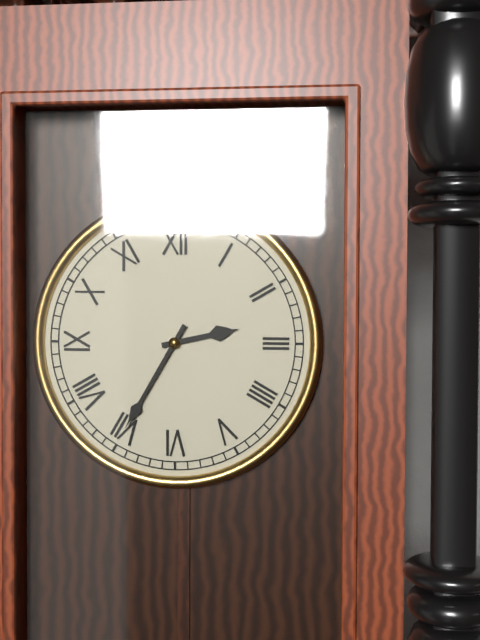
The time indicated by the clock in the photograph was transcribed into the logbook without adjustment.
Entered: 2:35
